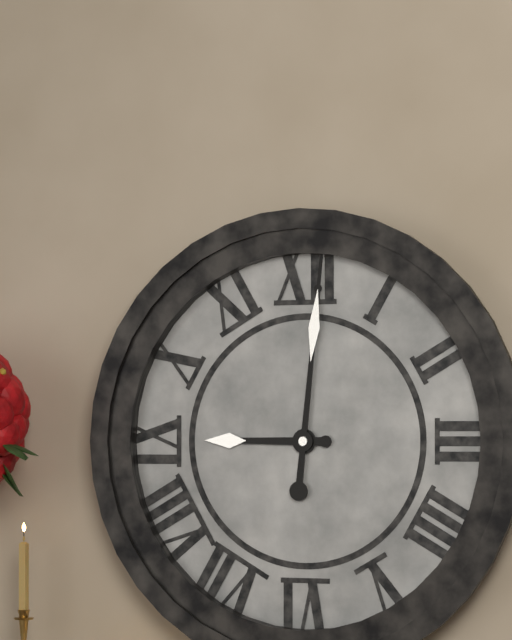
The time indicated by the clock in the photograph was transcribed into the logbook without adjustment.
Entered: 9:01
